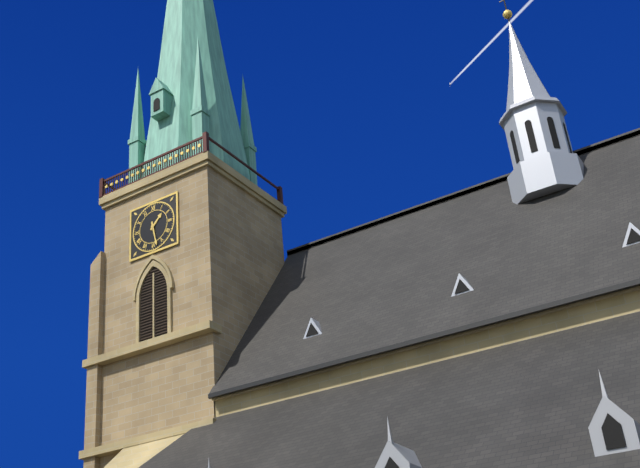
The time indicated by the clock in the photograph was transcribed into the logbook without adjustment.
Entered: 1:28
